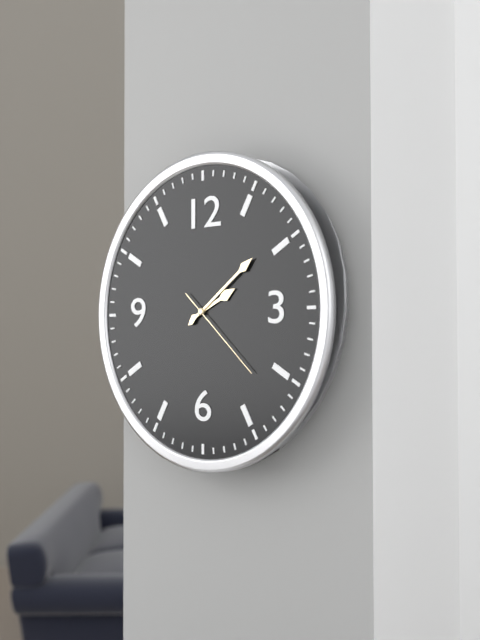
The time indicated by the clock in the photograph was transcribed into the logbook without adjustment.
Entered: 2:09:22
